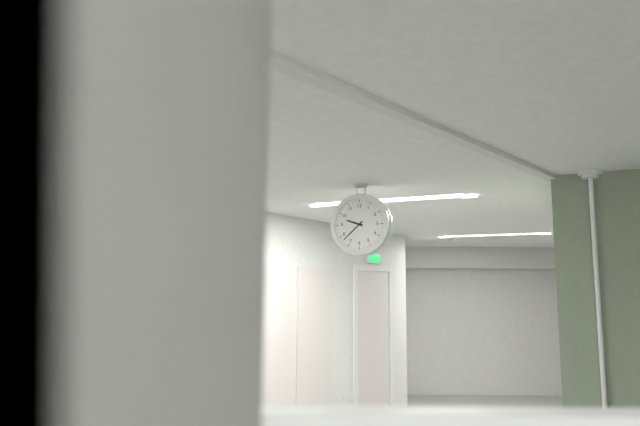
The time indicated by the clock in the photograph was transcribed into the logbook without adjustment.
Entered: 9:38
